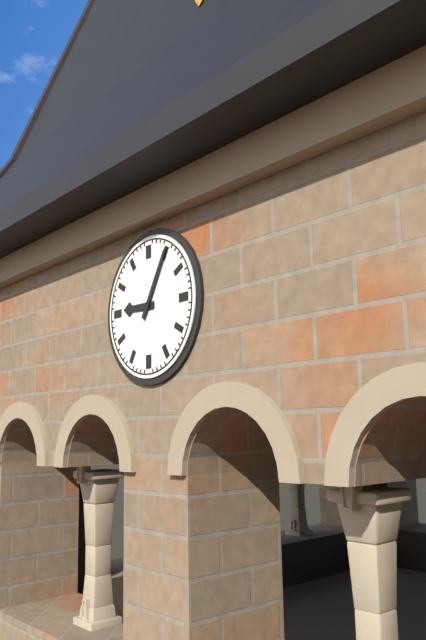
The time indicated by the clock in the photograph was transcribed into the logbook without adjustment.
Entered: 9:05
